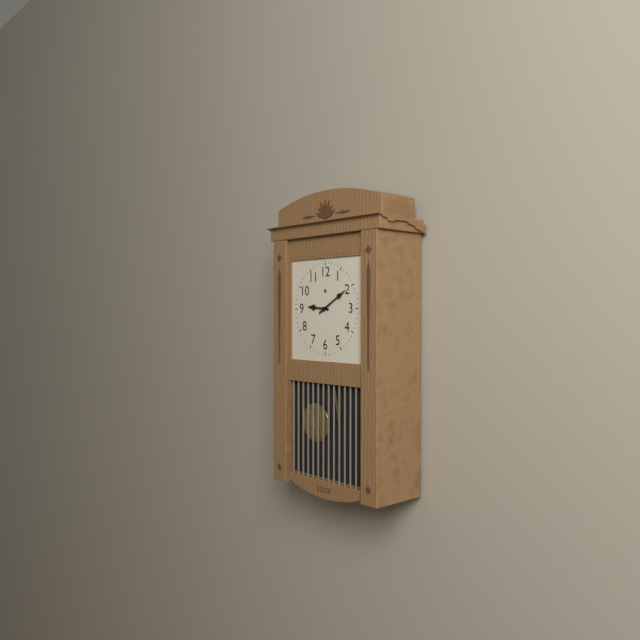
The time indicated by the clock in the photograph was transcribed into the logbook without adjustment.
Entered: 9:10
